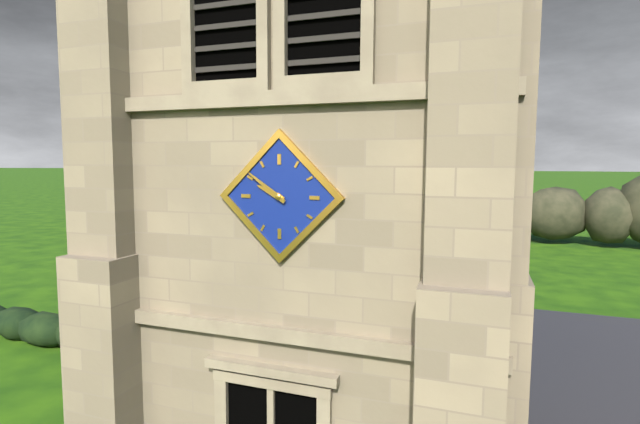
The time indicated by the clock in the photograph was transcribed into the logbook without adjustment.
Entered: 9:51
